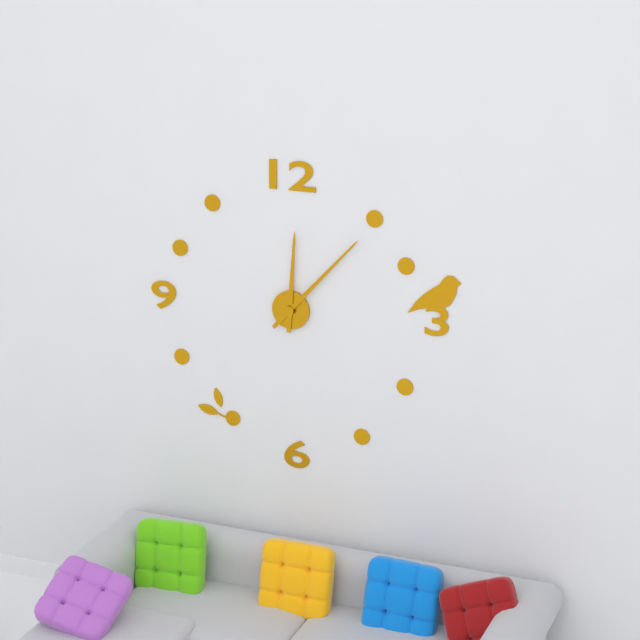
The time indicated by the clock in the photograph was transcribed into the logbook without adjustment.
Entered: 12:07
